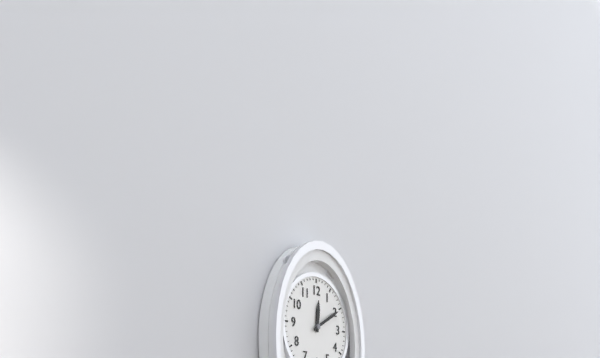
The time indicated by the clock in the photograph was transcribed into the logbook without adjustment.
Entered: 12:10
